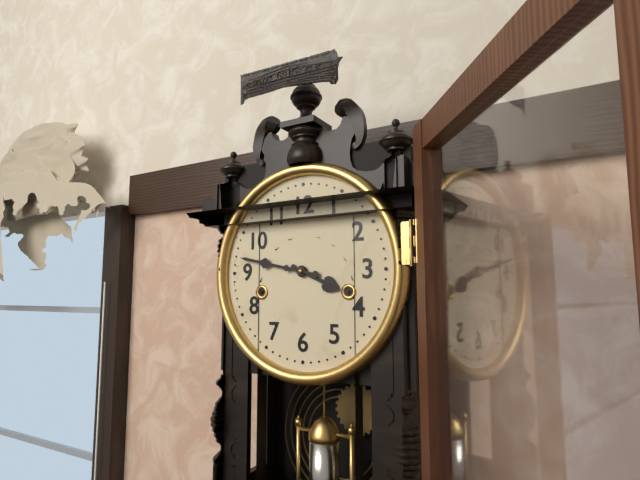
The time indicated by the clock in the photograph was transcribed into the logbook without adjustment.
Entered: 3:47
